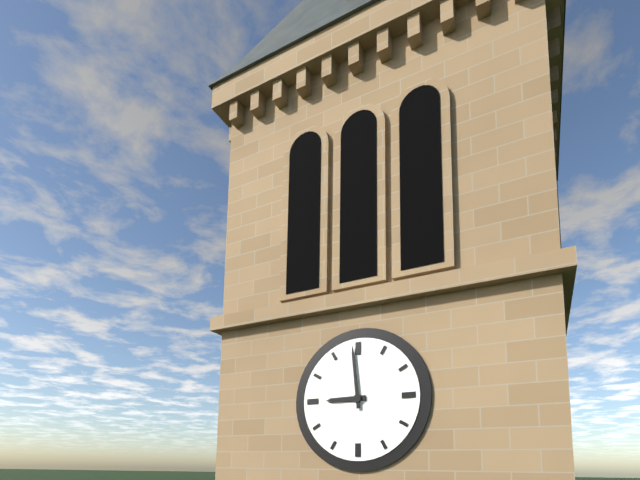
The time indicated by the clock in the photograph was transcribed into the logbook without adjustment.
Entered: 8:59
